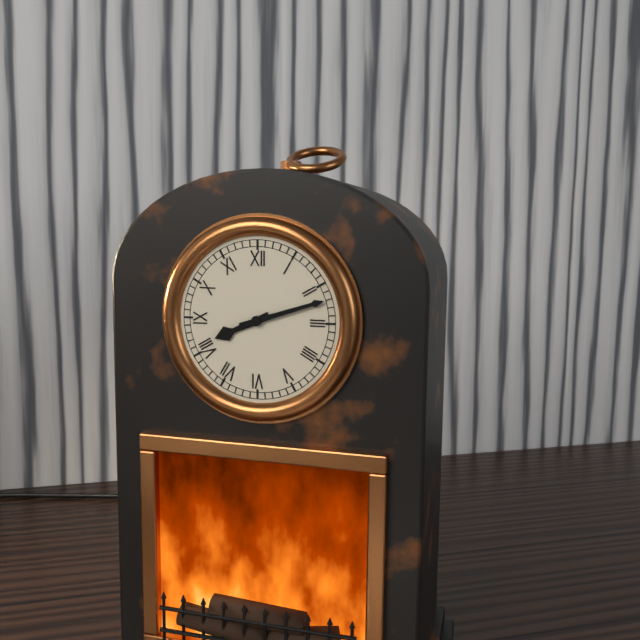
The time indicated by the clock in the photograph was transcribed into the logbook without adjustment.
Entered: 8:12
